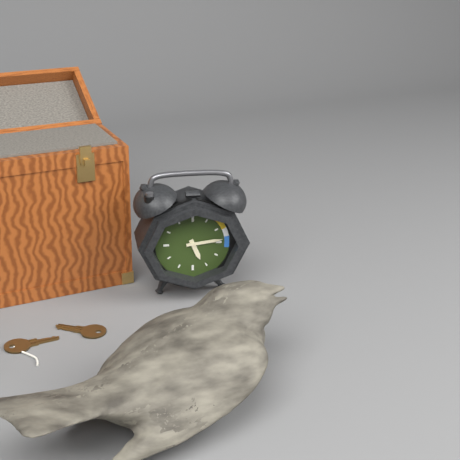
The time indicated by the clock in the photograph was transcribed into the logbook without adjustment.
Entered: 5:14
